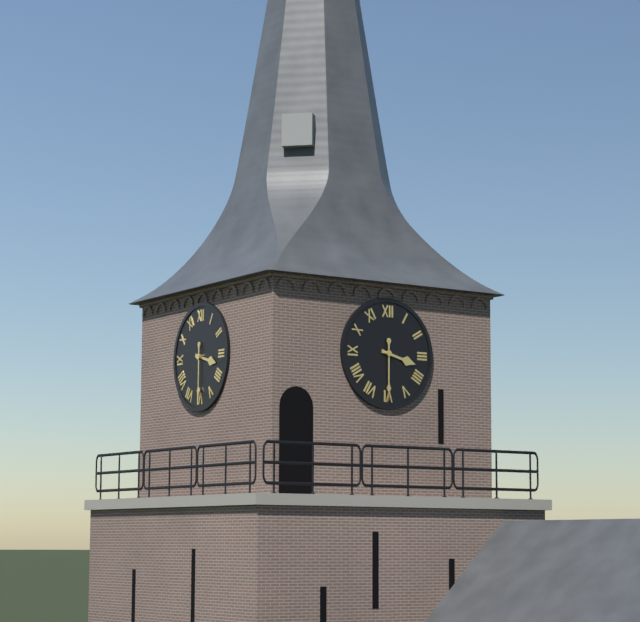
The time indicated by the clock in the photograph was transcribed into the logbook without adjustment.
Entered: 3:30
